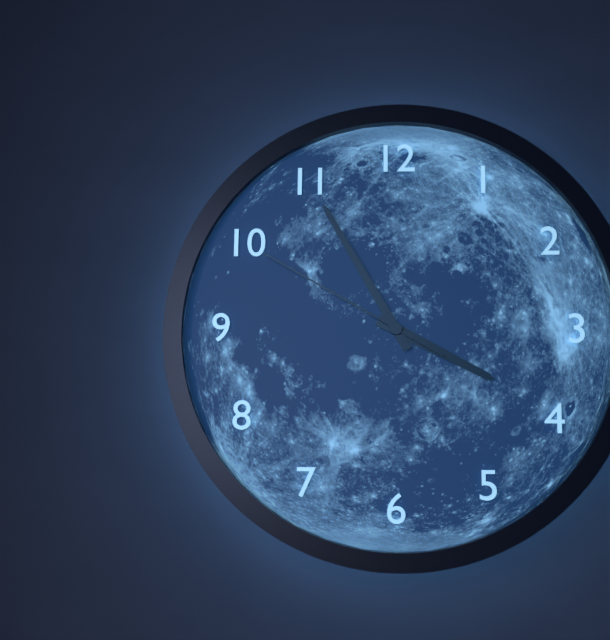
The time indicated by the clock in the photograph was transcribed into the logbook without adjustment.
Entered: 3:55:50
